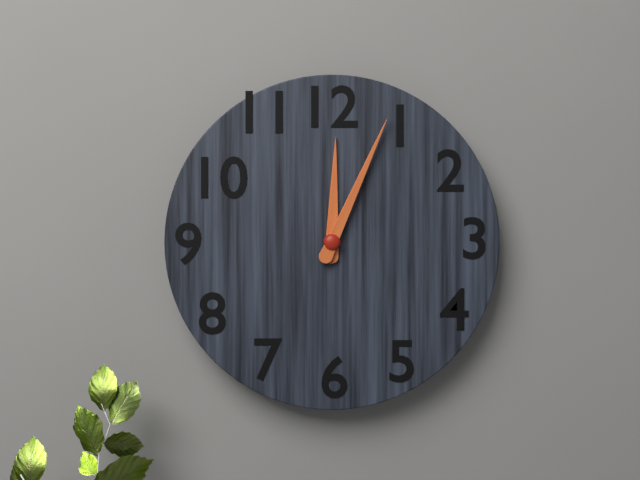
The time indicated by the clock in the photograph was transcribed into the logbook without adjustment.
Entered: 12:04
